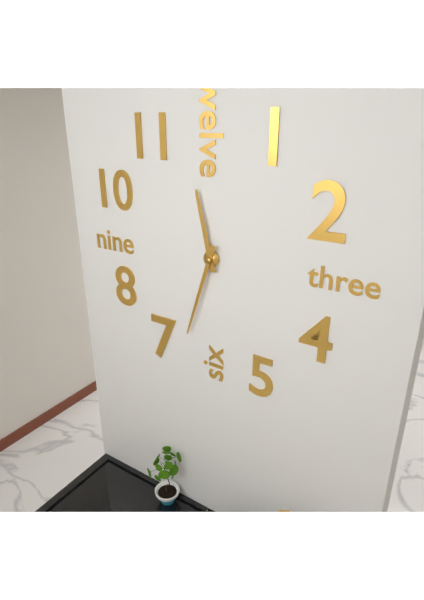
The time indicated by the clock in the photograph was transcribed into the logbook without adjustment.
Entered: 11:33
